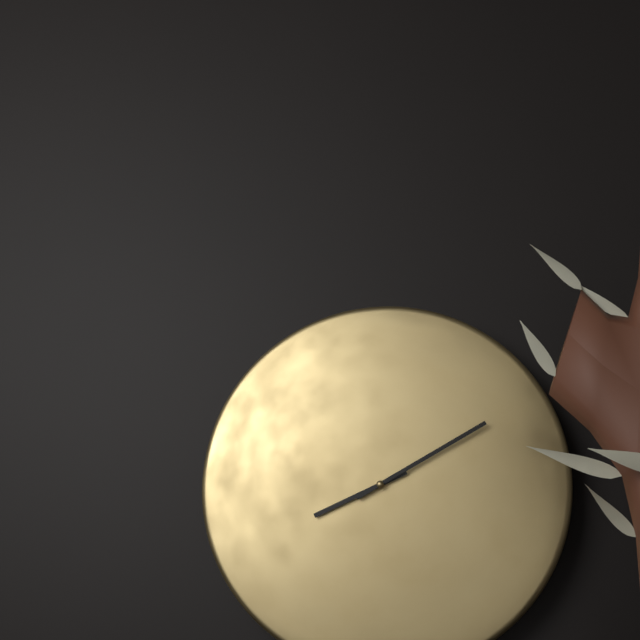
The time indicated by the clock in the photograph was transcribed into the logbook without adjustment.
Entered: 8:10
